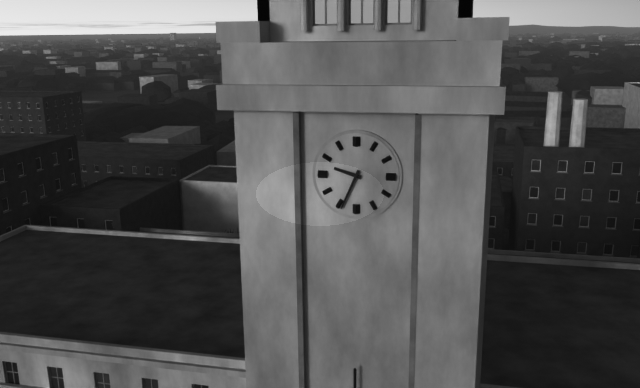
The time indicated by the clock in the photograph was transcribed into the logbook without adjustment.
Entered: 9:34
